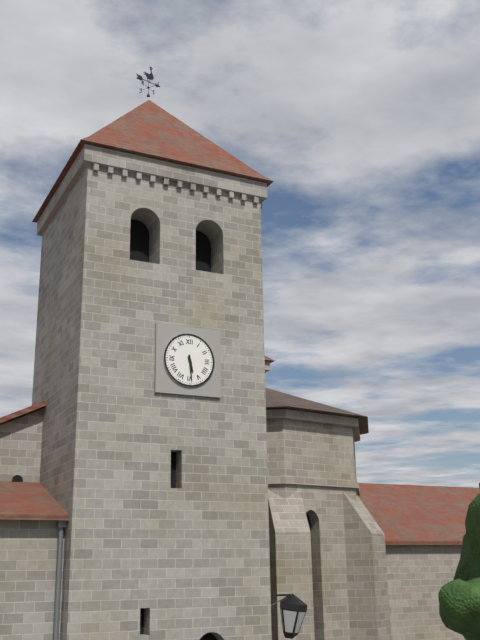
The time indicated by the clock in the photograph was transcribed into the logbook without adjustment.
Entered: 5:29
